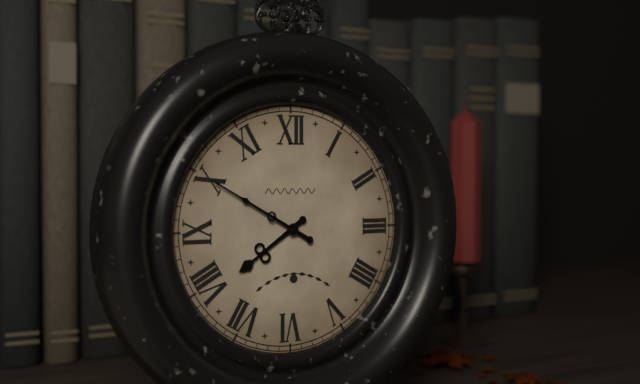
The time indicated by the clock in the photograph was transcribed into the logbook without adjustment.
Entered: 7:50
